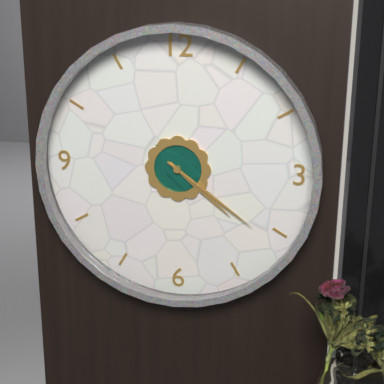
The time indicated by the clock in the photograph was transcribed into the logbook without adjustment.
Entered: 4:21:21
